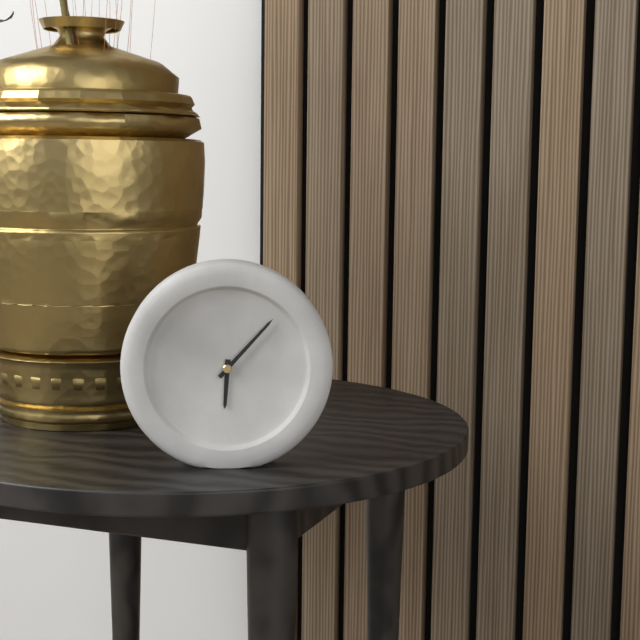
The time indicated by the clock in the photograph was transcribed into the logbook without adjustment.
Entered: 6:07
